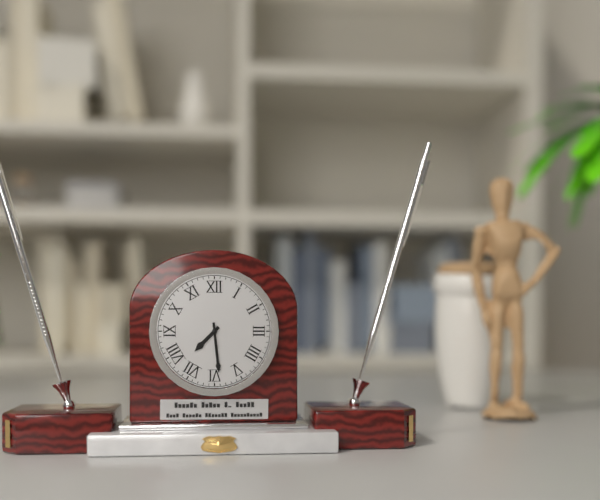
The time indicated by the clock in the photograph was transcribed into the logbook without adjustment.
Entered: 7:29
